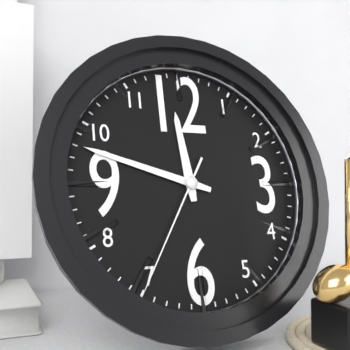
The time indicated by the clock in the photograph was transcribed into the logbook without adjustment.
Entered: 11:48:35
